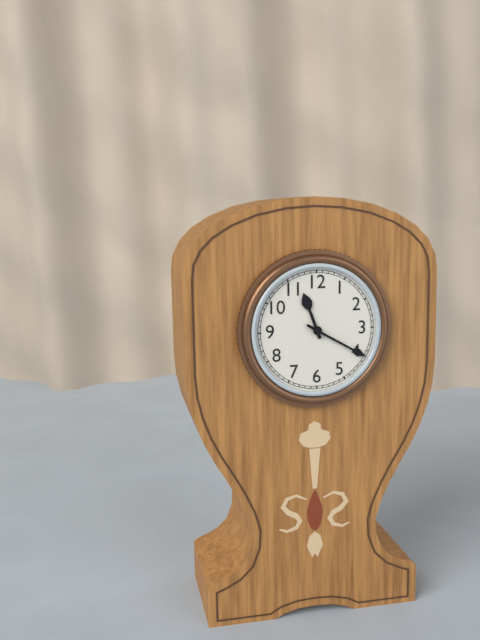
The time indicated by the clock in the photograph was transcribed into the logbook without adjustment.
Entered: 11:20
